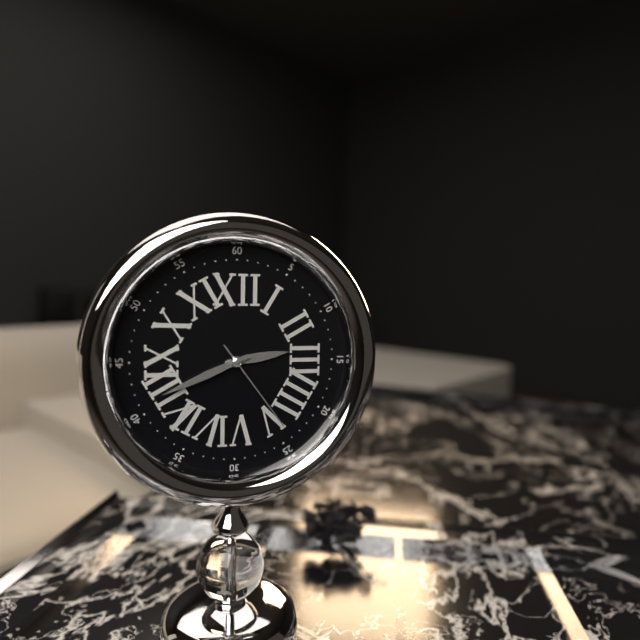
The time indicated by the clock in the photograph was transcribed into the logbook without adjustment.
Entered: 2:41:24
